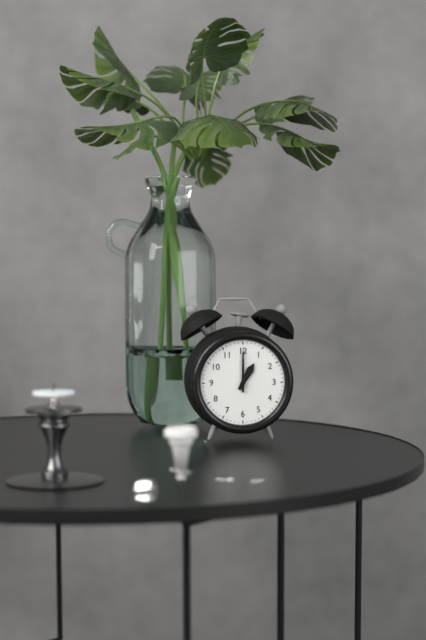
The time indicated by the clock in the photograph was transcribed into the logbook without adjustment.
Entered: 1:00
